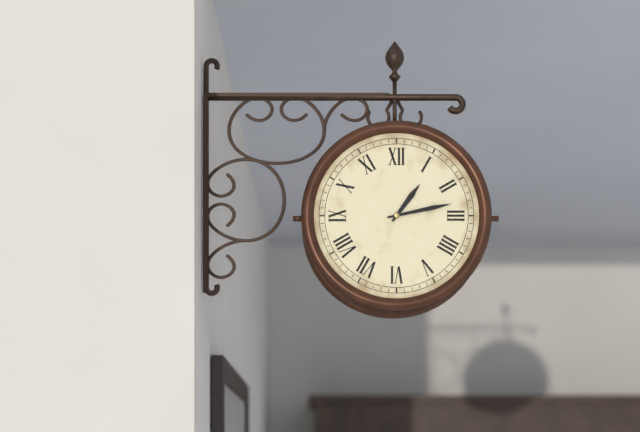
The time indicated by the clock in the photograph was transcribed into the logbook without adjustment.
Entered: 1:13
